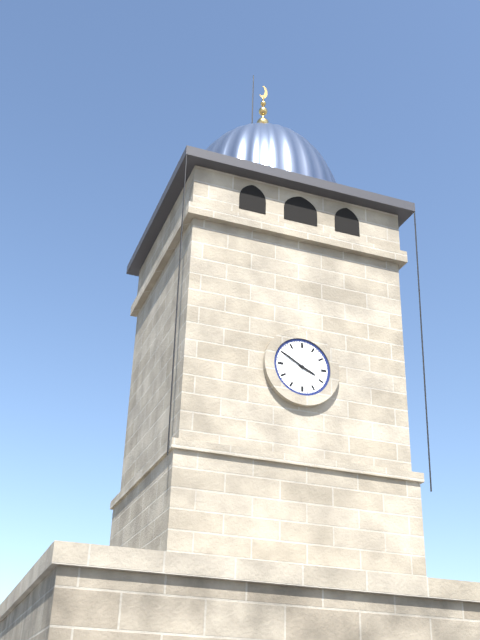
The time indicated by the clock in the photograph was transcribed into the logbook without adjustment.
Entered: 3:50
